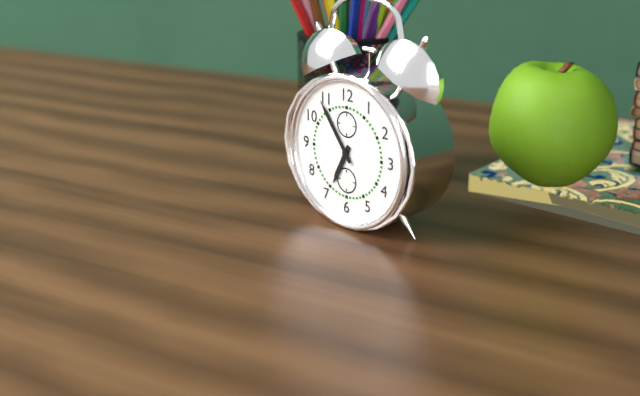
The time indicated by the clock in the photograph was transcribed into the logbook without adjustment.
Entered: 6:54
